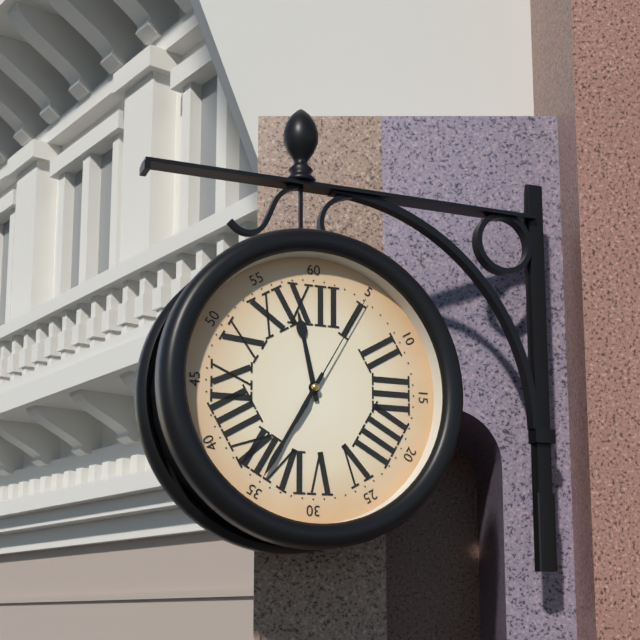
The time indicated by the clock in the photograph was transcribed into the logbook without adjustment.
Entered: 11:35:05
